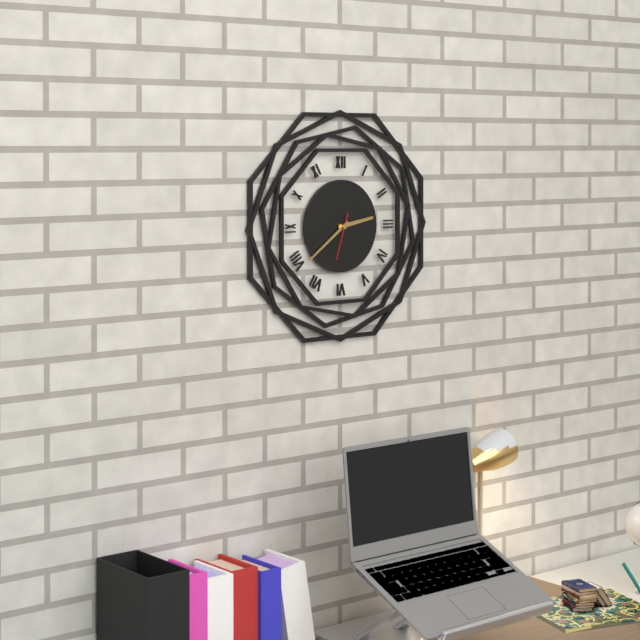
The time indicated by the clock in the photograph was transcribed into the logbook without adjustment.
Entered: 2:39
